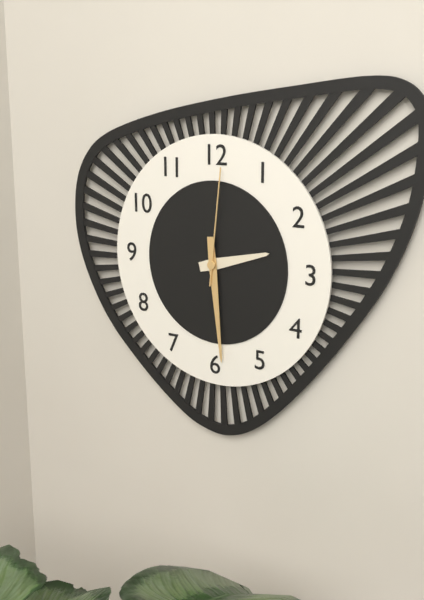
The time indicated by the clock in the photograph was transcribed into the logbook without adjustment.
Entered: 2:29:01
